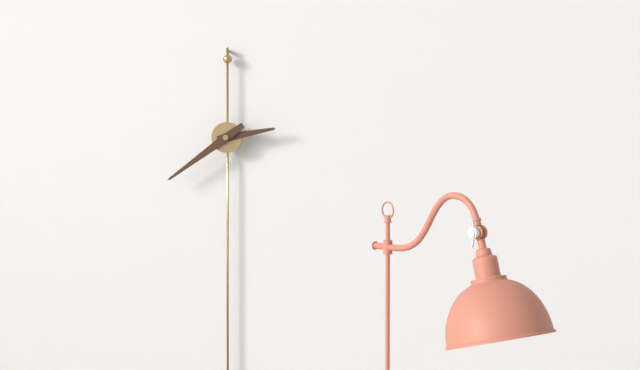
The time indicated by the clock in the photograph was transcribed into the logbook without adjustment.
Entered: 2:39
